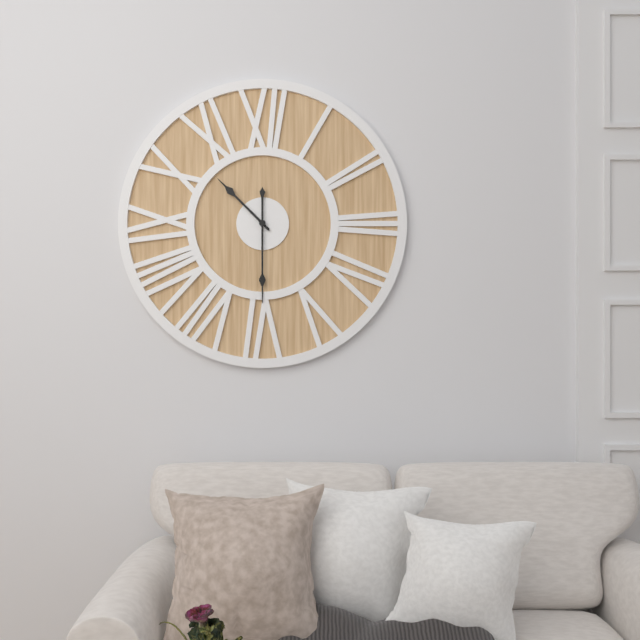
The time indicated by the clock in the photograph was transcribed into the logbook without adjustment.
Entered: 10:30
